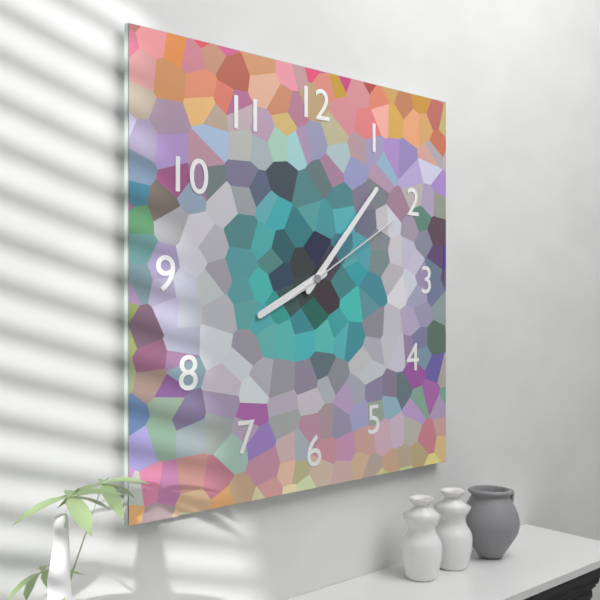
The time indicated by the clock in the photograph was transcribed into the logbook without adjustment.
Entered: 8:07:10
